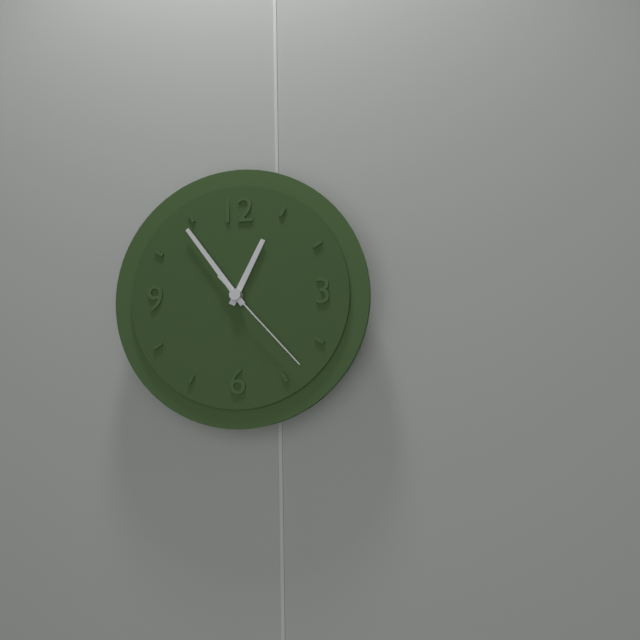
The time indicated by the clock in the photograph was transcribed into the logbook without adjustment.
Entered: 12:54:23
